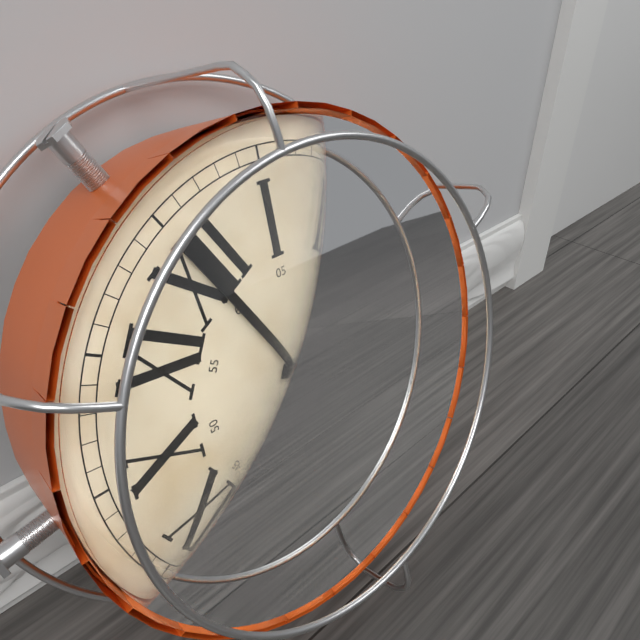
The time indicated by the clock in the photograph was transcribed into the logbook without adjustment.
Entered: 5:00
